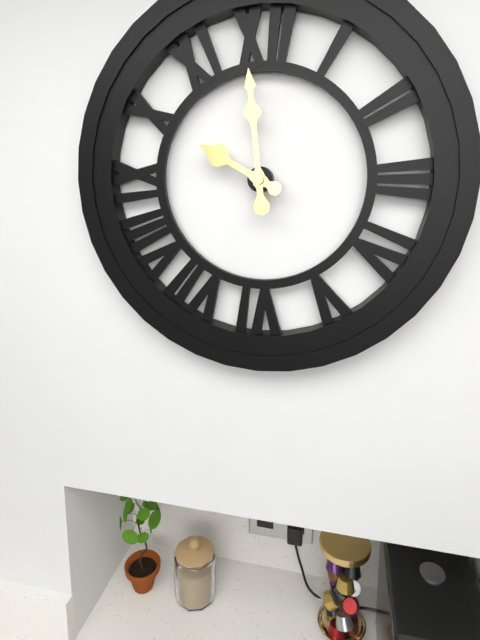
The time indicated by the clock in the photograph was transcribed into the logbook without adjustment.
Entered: 9:59
